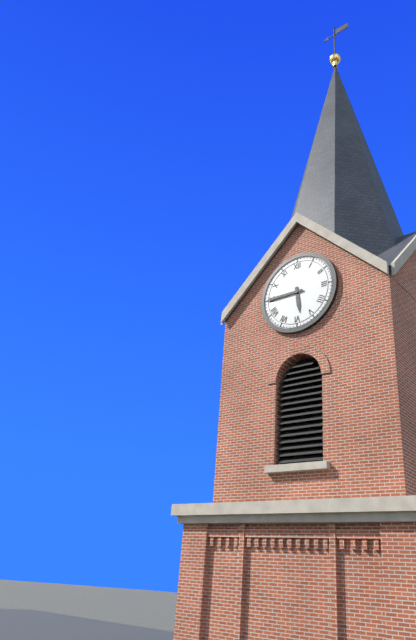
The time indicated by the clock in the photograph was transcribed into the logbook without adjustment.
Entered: 5:45
